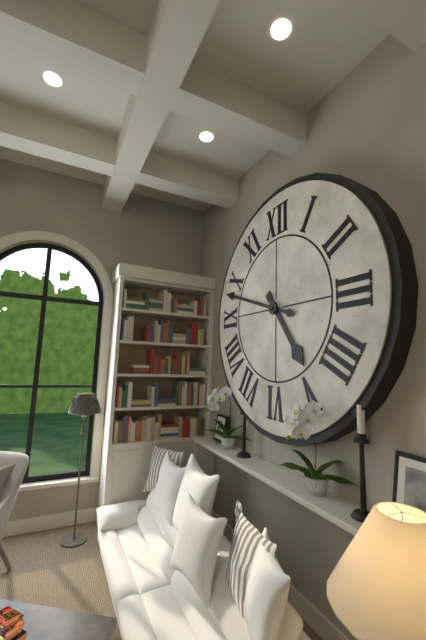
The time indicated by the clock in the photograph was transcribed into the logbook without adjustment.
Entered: 4:48
